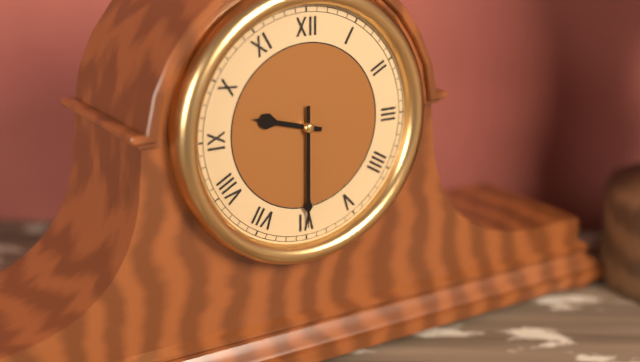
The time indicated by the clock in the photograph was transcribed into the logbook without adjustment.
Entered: 9:30
